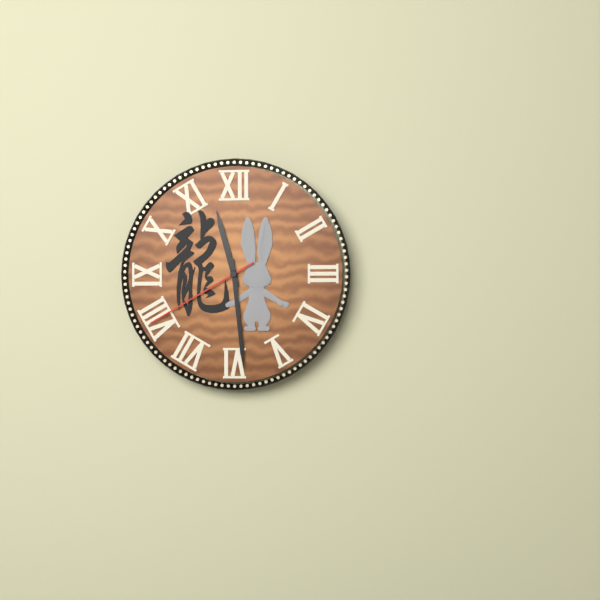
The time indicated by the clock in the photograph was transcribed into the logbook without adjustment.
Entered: 11:29:40
